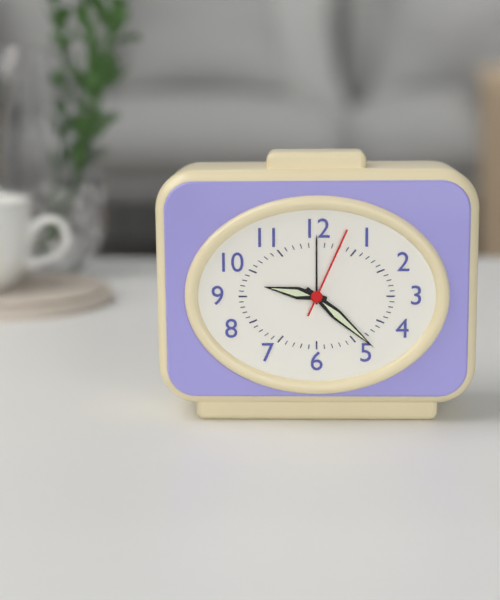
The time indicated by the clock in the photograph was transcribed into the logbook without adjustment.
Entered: 9:22:04
